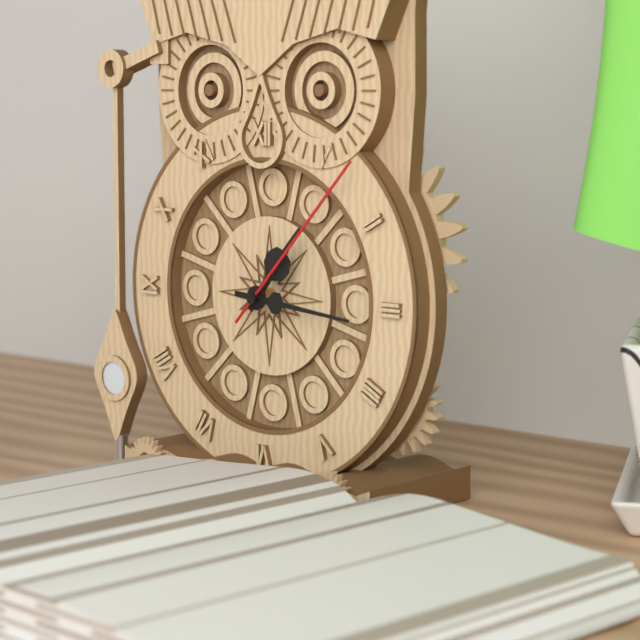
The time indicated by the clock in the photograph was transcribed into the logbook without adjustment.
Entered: 1:16:07
